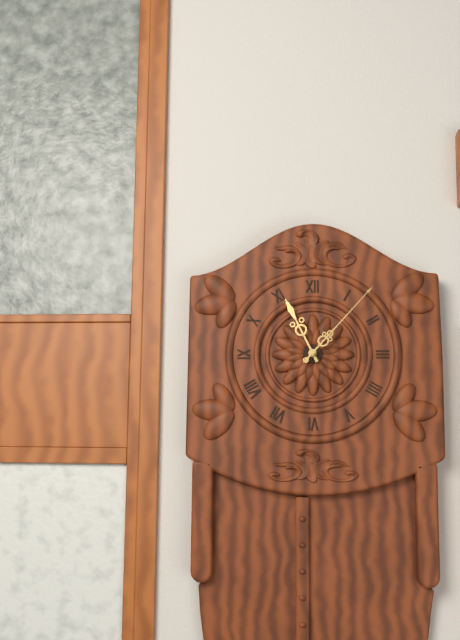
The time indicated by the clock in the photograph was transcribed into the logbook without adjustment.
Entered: 11:07
